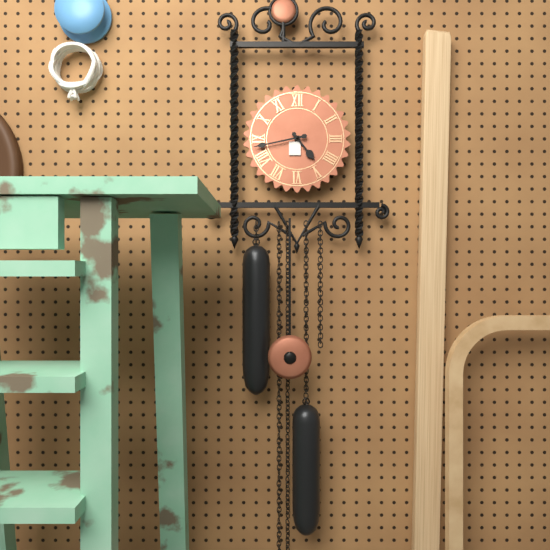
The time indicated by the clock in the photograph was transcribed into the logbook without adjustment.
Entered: 4:43
